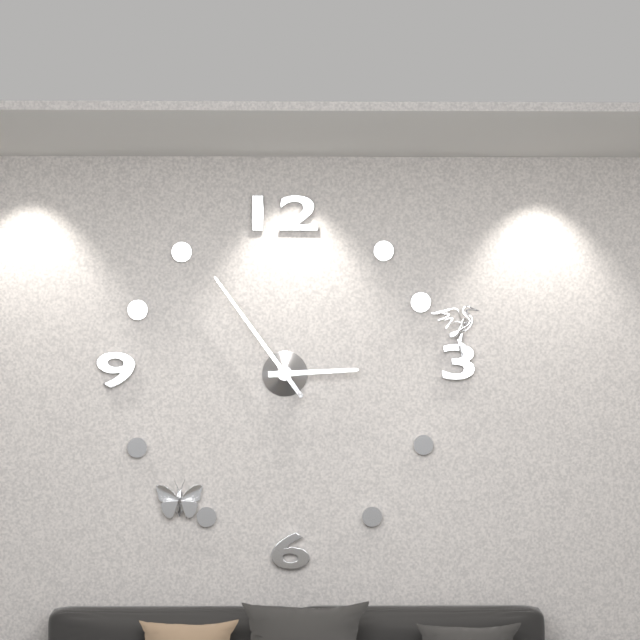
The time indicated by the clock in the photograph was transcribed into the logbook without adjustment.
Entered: 2:54
